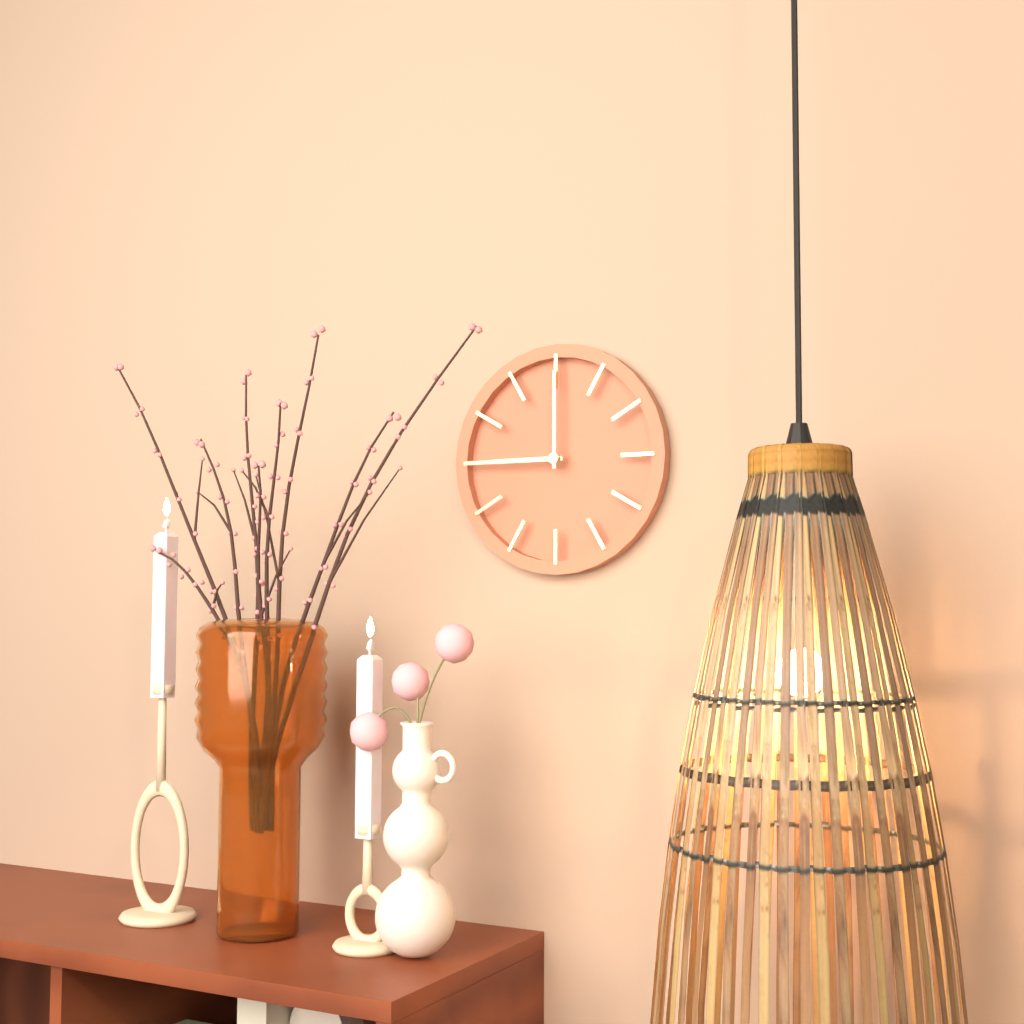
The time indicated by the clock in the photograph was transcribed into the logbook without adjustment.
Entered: 9:00
